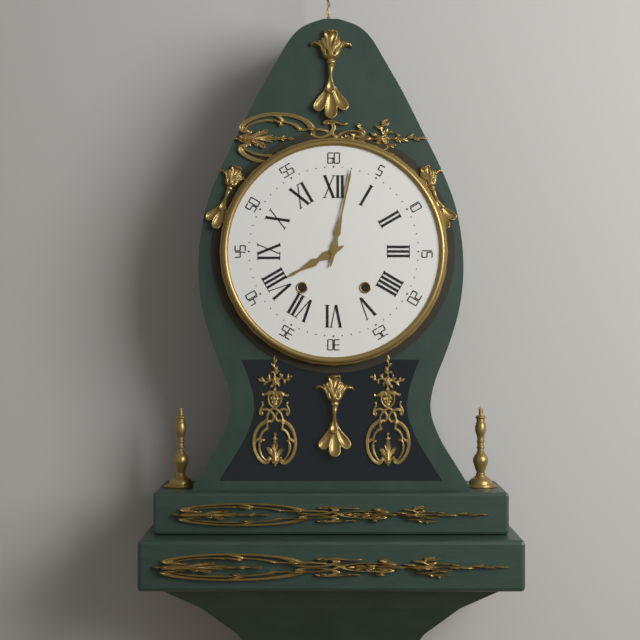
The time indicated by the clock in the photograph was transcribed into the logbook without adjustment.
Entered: 8:02
